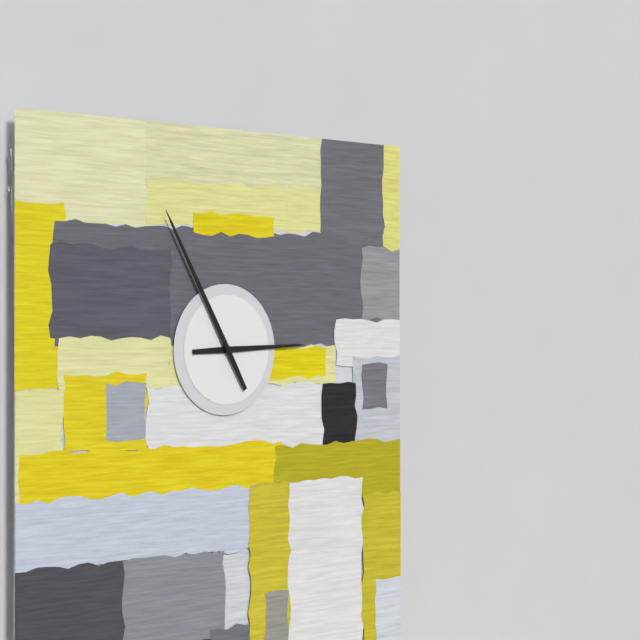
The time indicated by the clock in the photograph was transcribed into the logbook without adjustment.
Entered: 2:55
